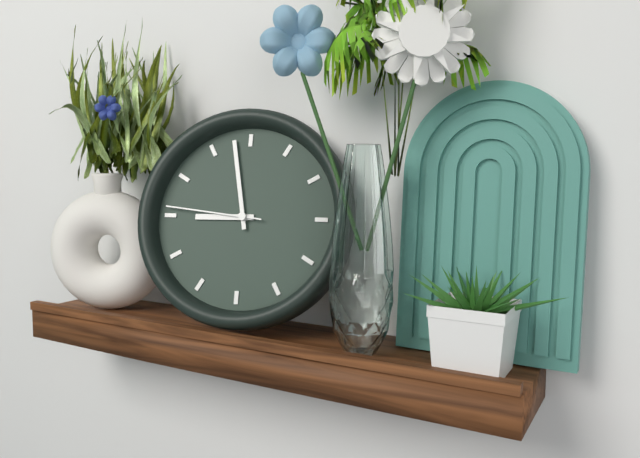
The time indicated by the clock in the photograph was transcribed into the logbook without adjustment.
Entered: 8:58:46
